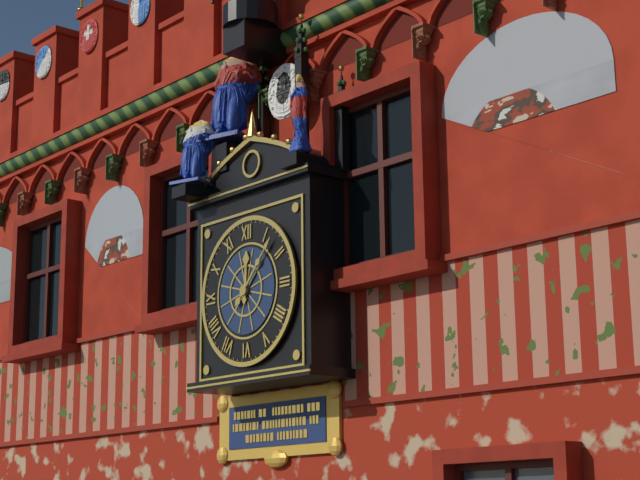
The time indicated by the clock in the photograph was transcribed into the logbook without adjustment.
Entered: 12:07
